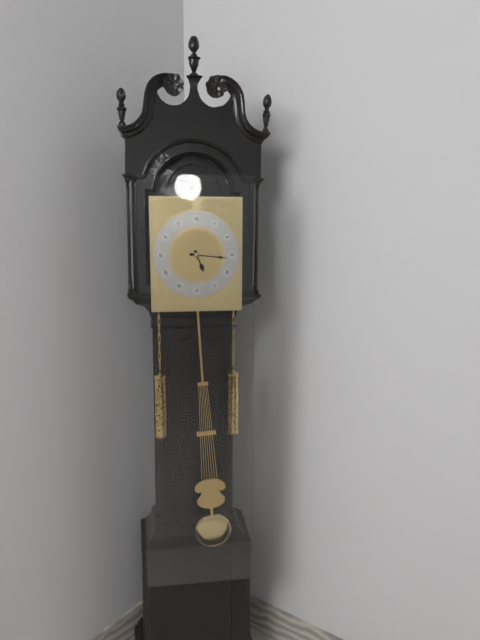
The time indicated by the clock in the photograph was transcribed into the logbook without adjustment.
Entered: 5:16
